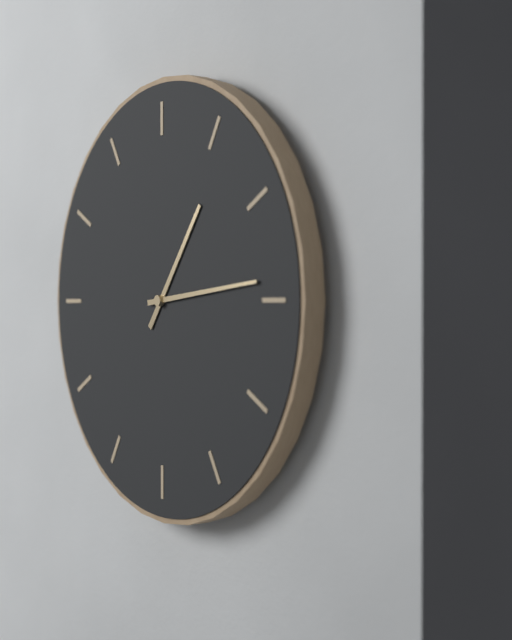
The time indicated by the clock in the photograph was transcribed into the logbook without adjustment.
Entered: 1:14
